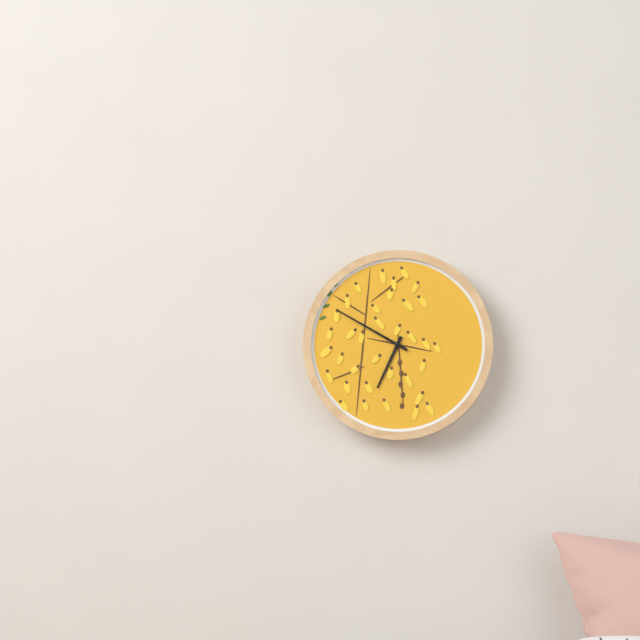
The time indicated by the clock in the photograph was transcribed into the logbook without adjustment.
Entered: 6:50
